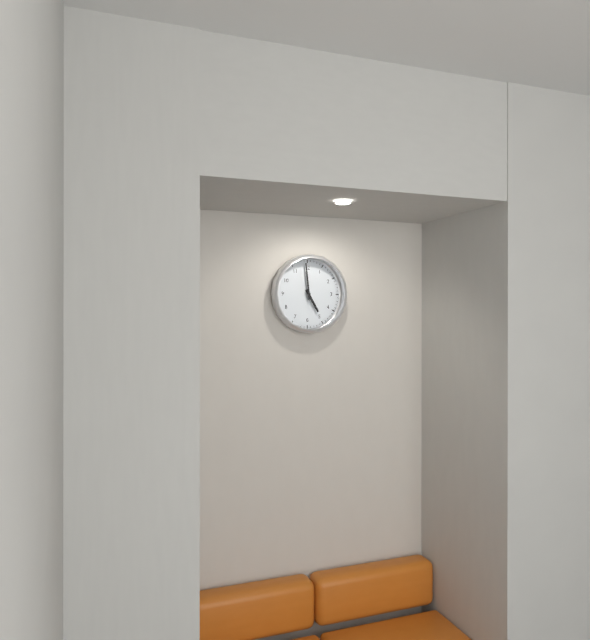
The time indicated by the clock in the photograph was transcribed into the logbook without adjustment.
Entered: 4:59
